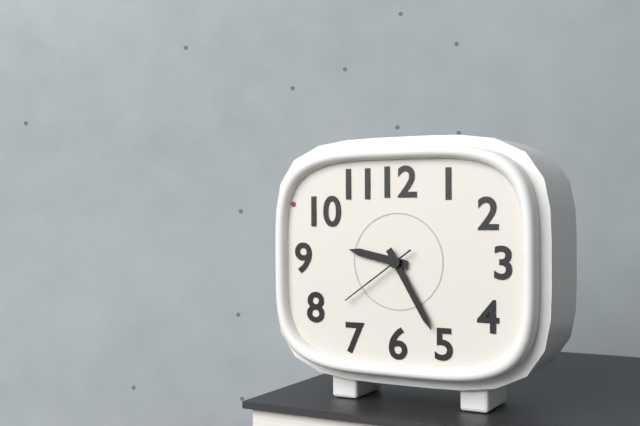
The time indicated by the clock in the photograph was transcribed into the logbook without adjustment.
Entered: 9:25:39
